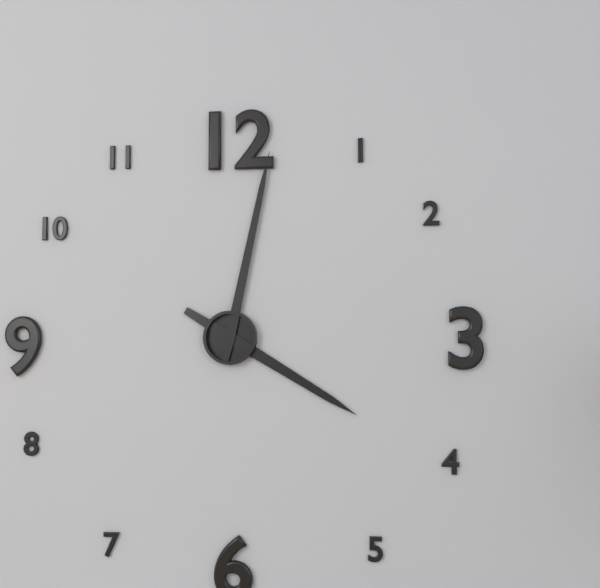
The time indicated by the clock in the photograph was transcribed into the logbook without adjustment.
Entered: 4:02
